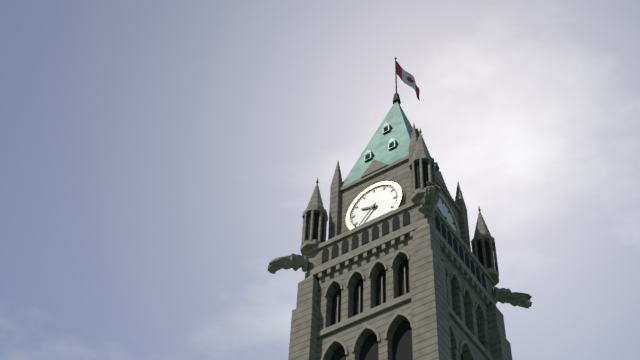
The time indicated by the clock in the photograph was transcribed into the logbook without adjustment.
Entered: 9:37
